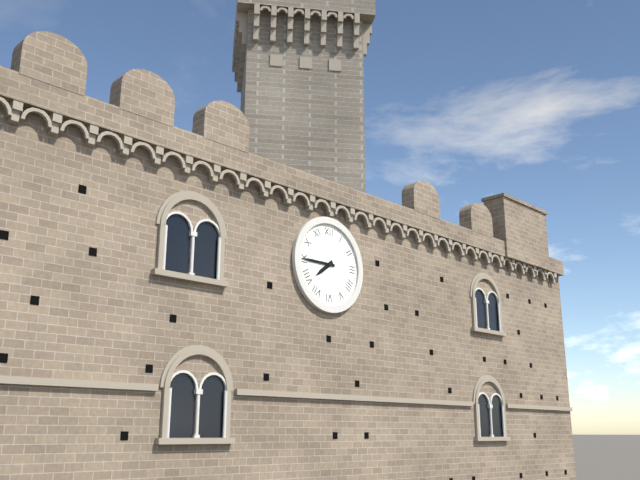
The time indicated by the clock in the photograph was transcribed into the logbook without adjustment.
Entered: 7:45
